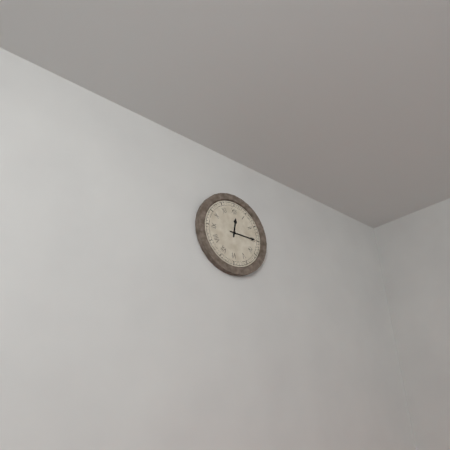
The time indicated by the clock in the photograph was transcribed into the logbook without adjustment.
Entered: 12:15
